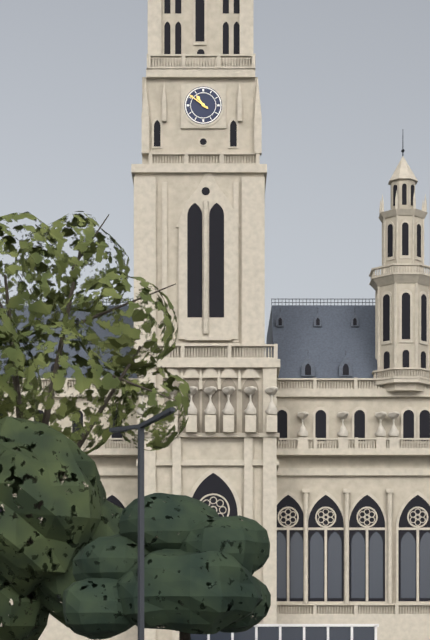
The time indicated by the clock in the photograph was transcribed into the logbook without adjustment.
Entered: 10:51
